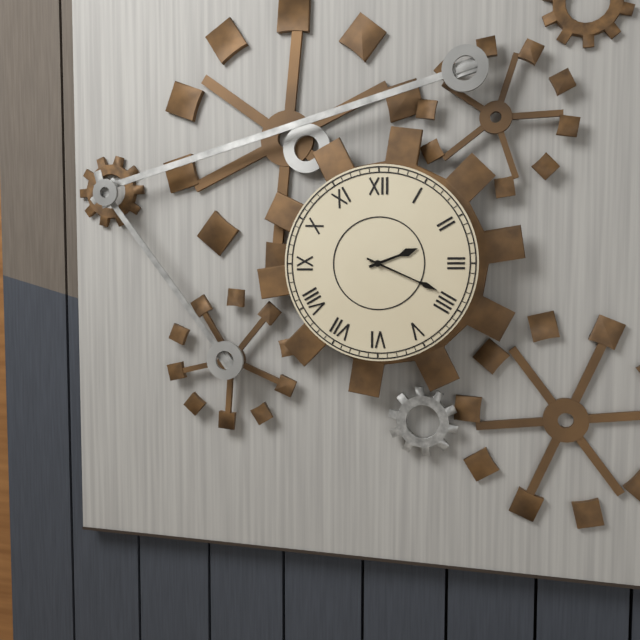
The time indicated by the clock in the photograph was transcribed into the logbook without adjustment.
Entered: 2:19
